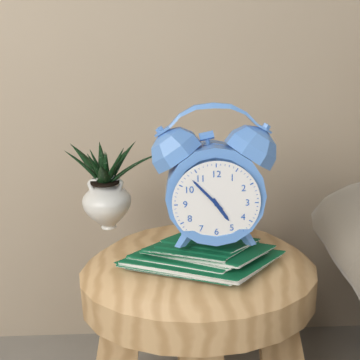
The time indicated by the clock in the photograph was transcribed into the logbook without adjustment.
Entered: 4:53
